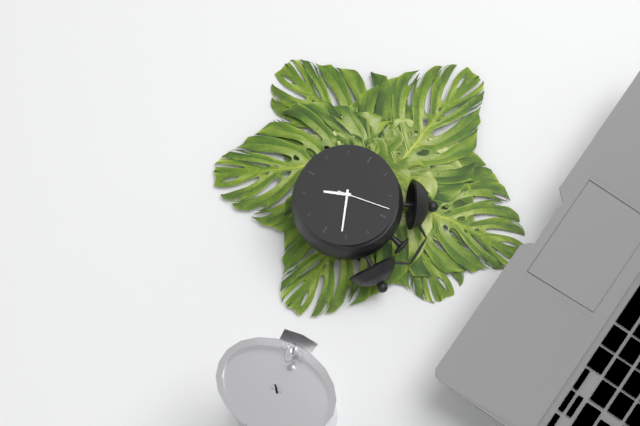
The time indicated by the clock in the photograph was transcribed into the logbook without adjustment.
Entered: 5:11:58
